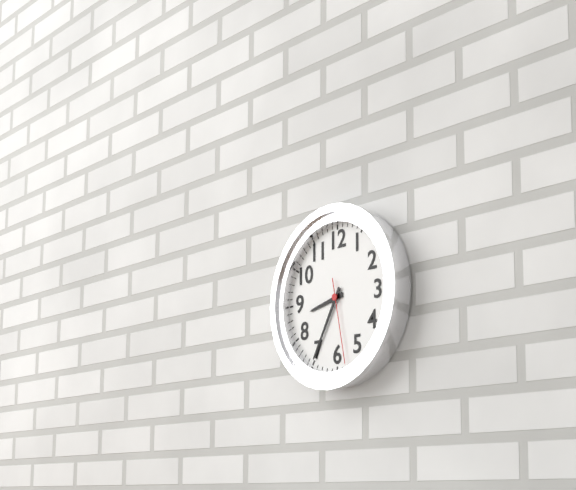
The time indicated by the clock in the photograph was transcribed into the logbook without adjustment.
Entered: 8:35:28
